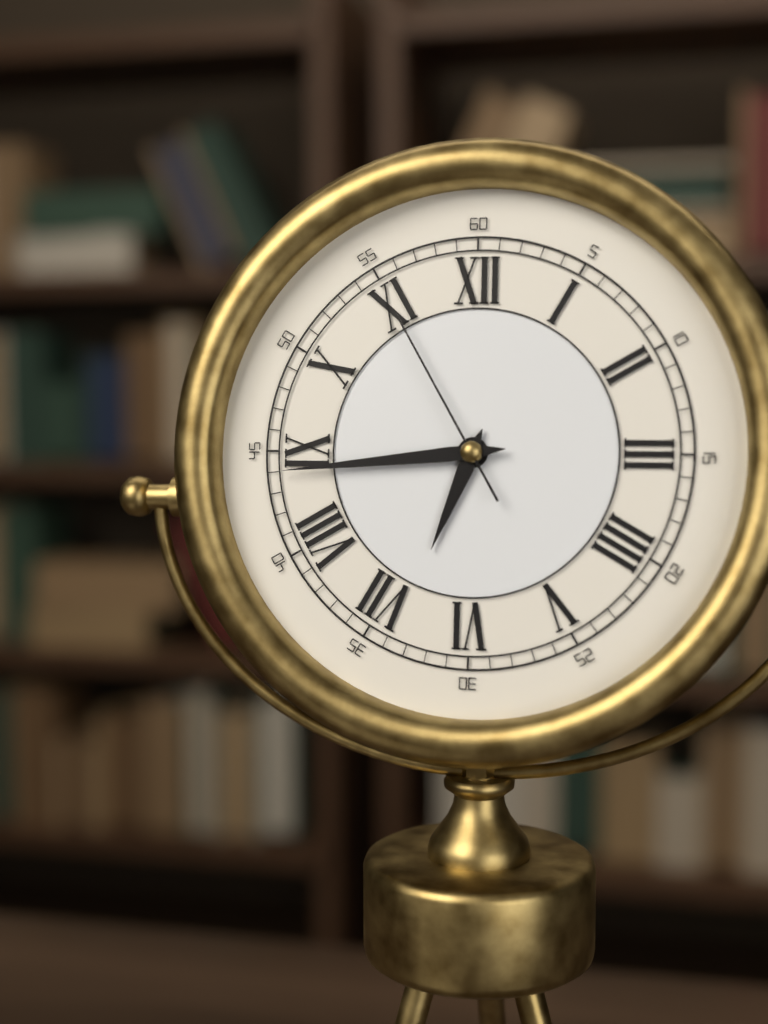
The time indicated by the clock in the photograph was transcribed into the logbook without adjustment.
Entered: 6:44:55
